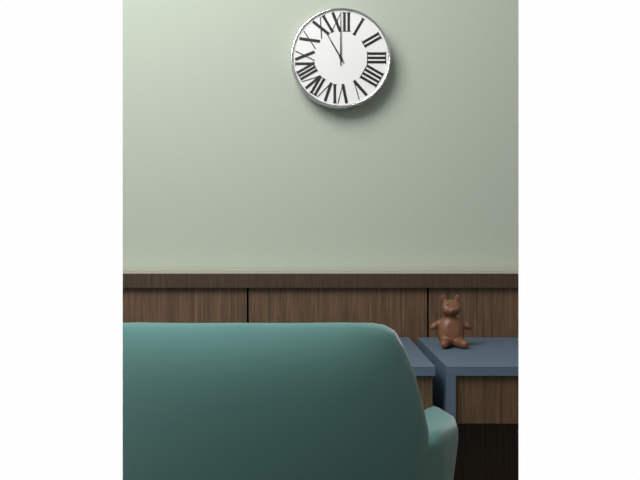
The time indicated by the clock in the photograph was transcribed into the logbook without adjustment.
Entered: 11:00
